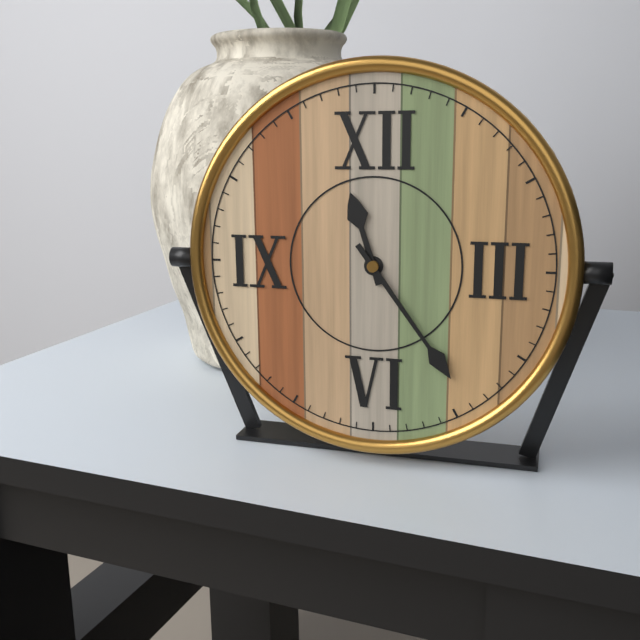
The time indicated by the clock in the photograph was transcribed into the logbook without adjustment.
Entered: 11:24
